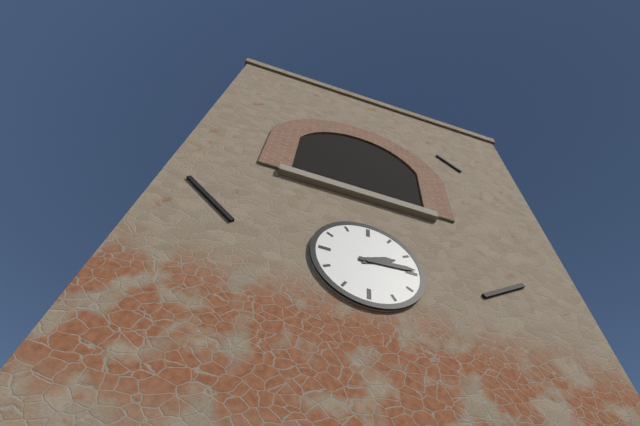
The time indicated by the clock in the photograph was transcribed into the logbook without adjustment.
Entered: 2:14
